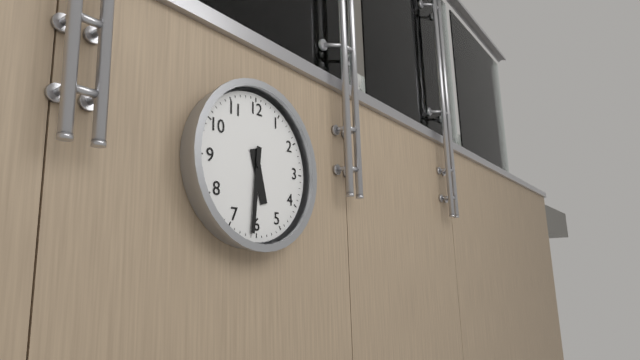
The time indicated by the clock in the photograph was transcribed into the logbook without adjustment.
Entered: 5:31
